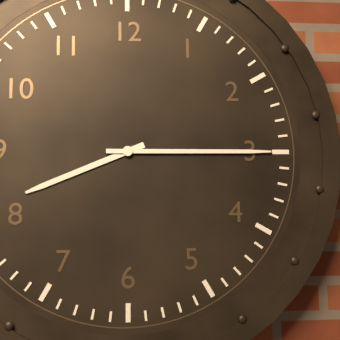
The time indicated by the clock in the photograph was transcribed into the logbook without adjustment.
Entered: 8:15
